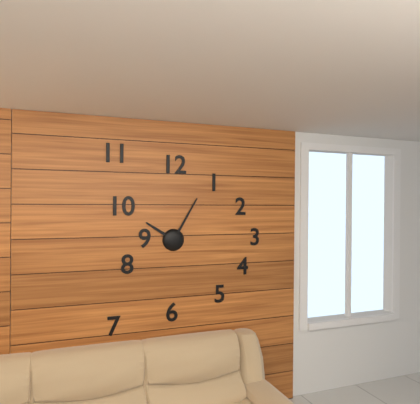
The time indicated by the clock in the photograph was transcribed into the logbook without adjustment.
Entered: 10:05
